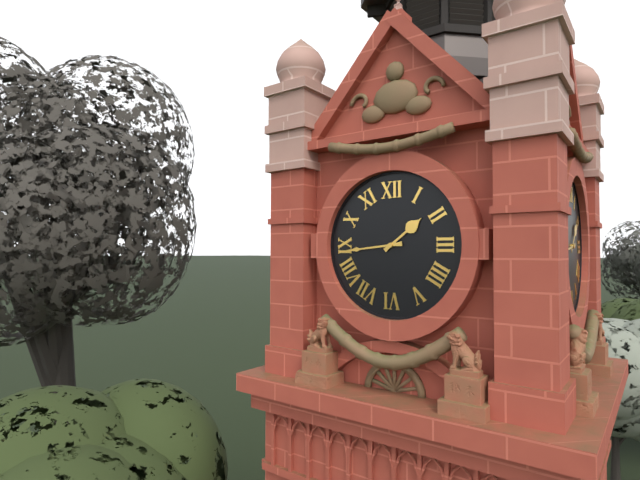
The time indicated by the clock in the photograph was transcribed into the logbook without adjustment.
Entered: 1:44
